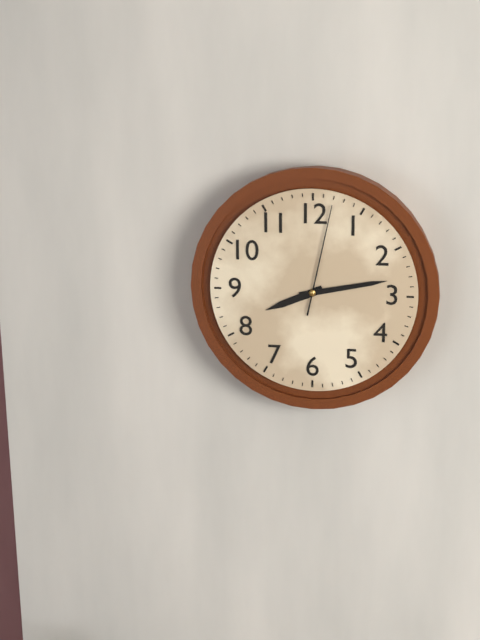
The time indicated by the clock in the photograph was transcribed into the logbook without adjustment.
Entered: 8:13:02
